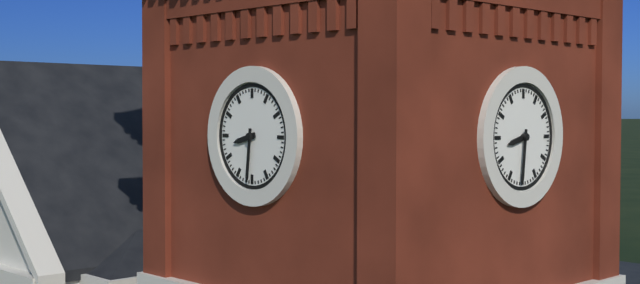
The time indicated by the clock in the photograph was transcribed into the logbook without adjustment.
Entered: 8:31
